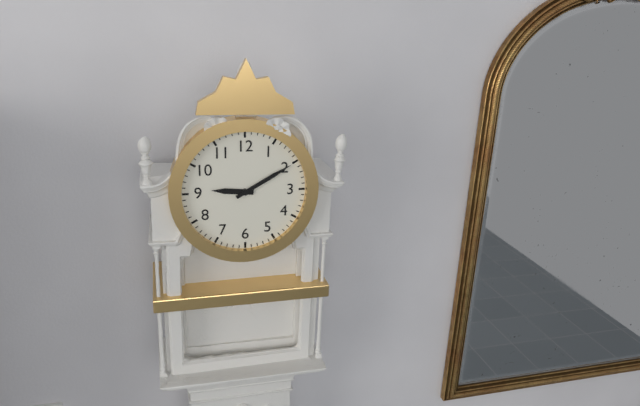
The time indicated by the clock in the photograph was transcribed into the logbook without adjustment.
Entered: 9:10
